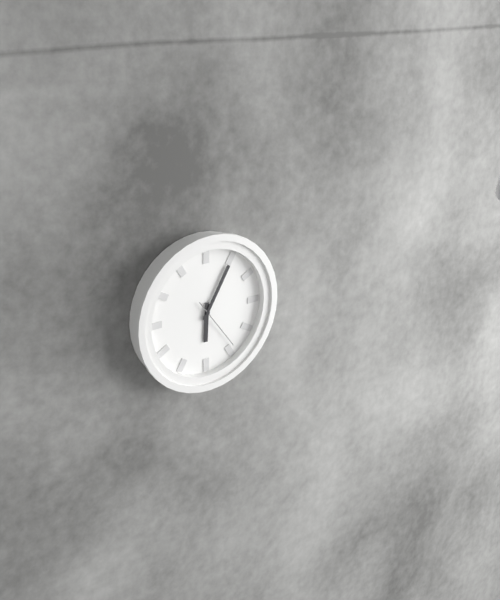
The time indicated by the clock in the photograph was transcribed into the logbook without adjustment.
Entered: 6:05:24
